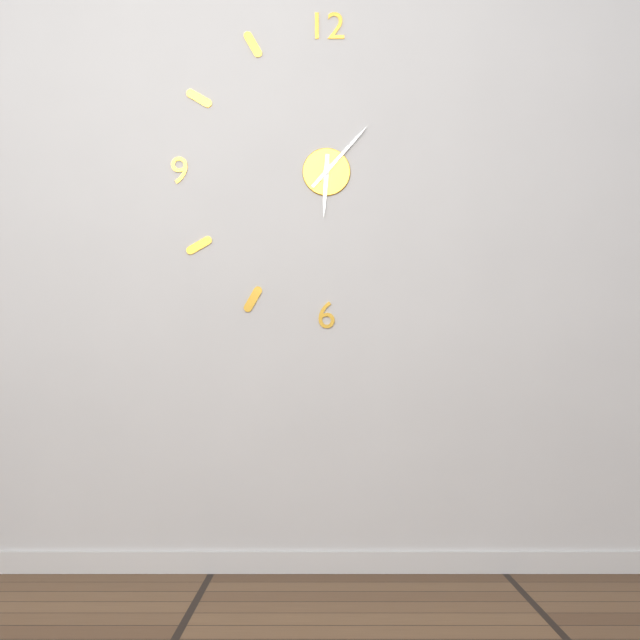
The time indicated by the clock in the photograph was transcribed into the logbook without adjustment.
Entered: 6:07
